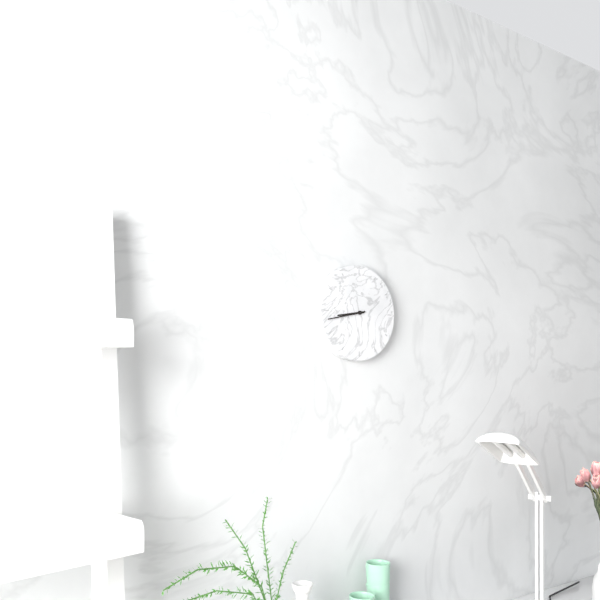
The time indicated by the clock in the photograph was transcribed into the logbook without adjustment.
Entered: 8:43
